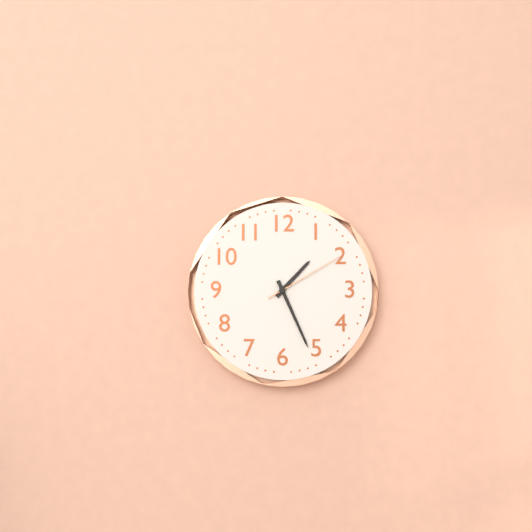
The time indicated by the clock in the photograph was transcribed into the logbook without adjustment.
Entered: 1:26:10
